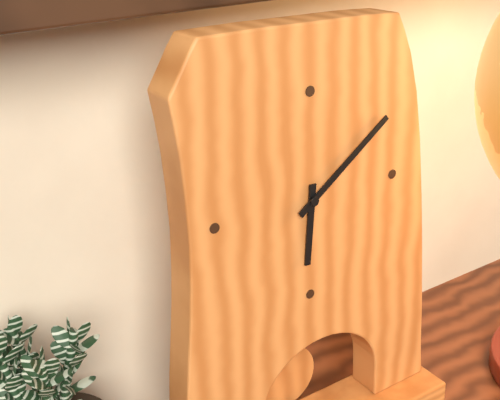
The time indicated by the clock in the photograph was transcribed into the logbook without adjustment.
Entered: 6:09
